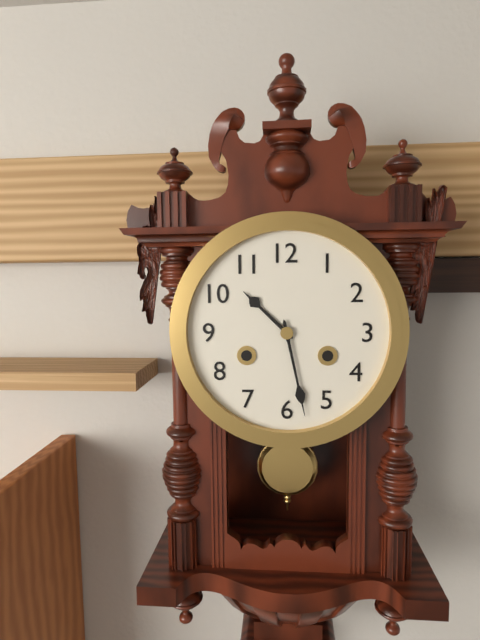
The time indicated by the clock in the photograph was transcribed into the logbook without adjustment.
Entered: 10:28
